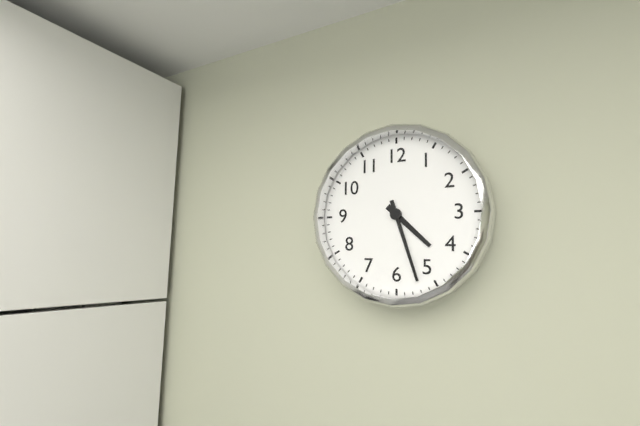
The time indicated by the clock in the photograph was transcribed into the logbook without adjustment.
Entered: 4:27
